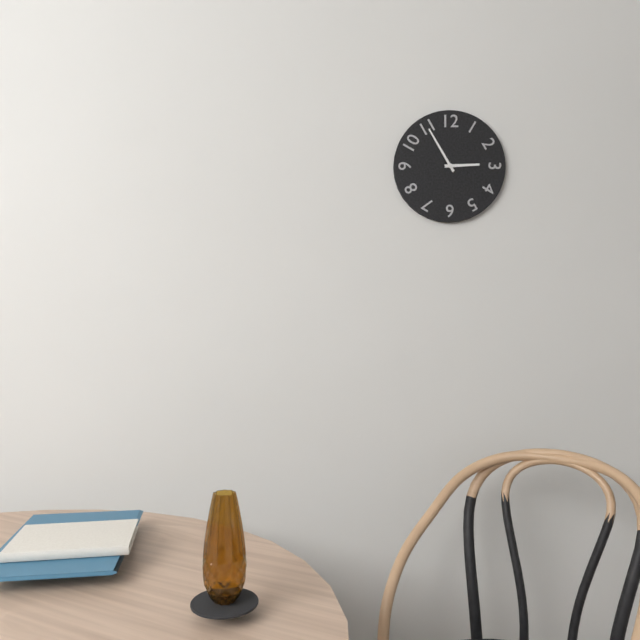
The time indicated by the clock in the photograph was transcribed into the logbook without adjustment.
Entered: 2:55
